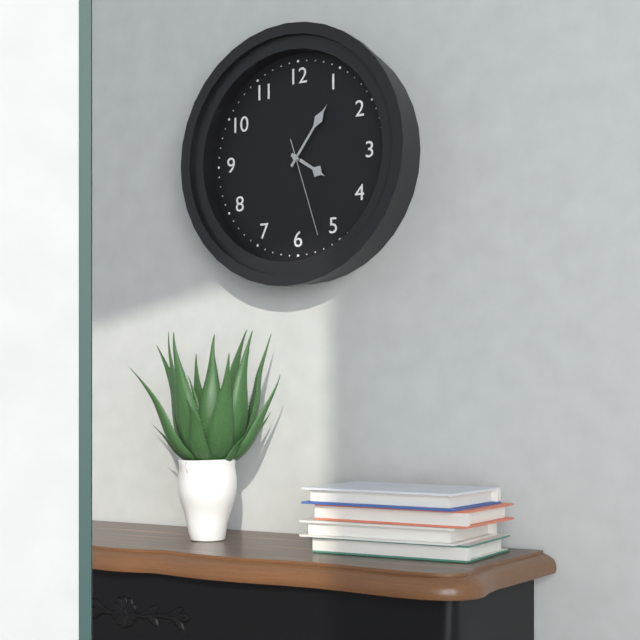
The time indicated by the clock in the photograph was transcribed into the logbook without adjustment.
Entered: 4:06:27
